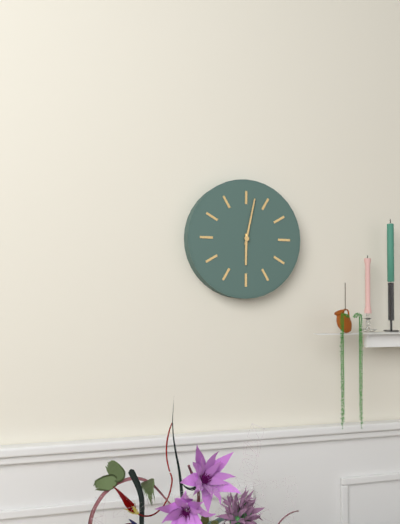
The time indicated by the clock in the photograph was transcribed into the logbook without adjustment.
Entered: 6:02
